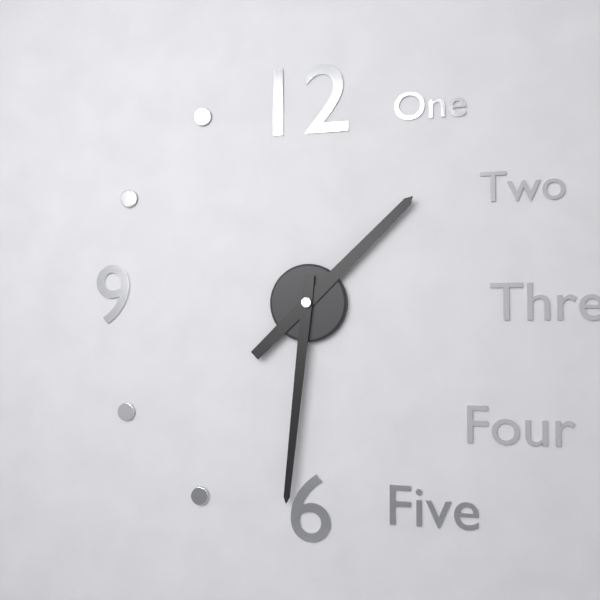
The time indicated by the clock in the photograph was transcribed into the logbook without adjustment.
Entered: 1:31
